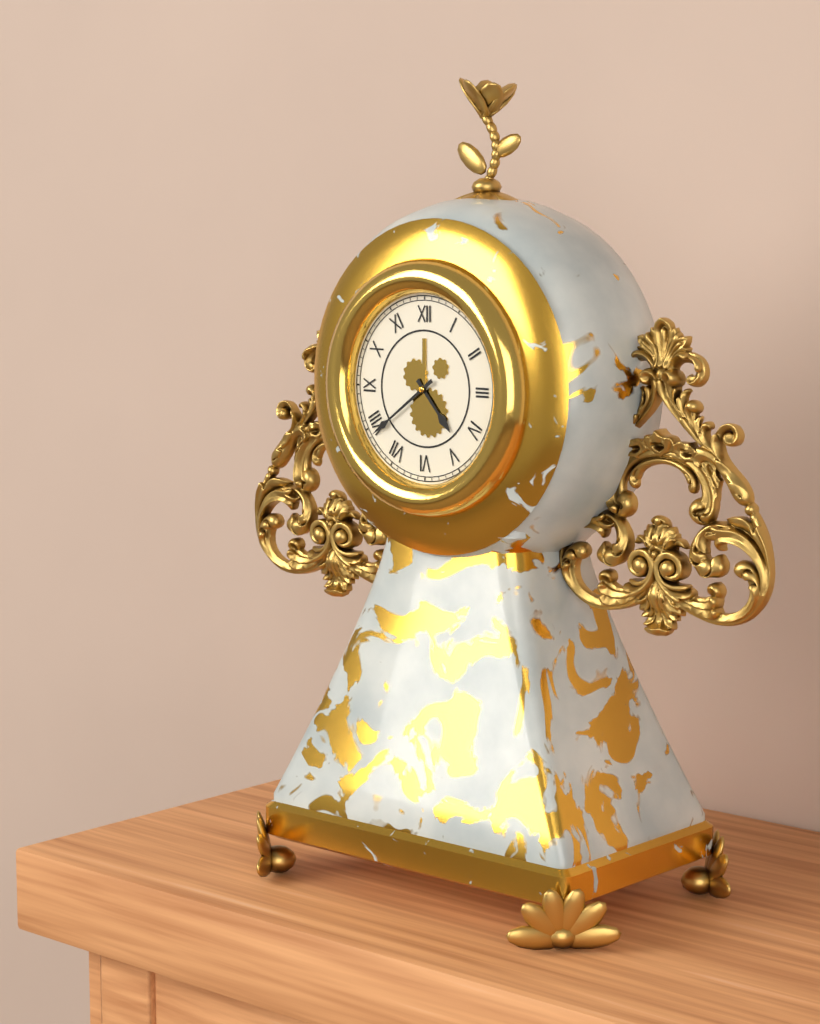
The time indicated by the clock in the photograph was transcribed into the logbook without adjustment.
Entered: 4:39
